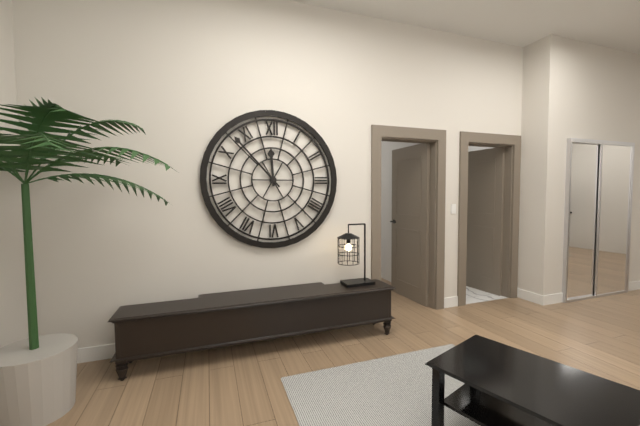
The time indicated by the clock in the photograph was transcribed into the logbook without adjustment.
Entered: 11:53
